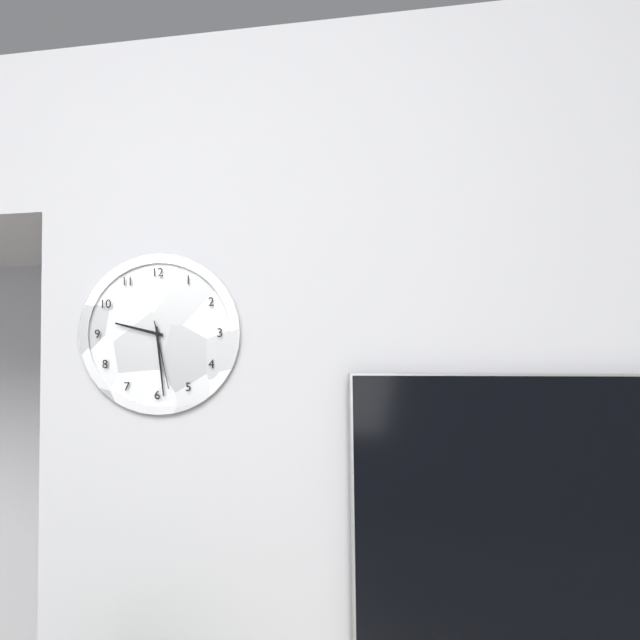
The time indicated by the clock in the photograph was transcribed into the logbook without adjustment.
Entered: 9:29:28
